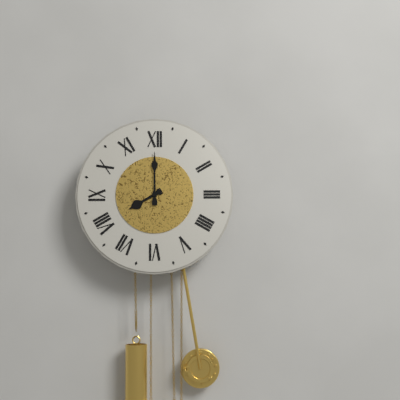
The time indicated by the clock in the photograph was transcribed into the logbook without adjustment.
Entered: 8:00
